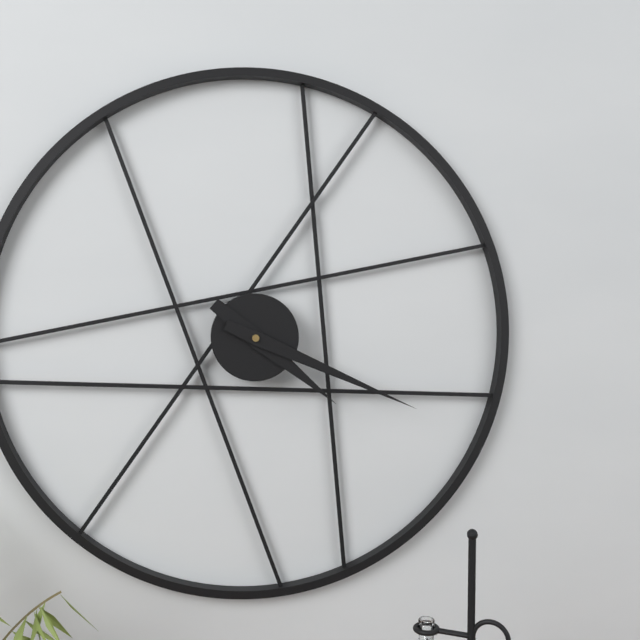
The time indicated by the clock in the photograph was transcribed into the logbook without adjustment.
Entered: 4:19
